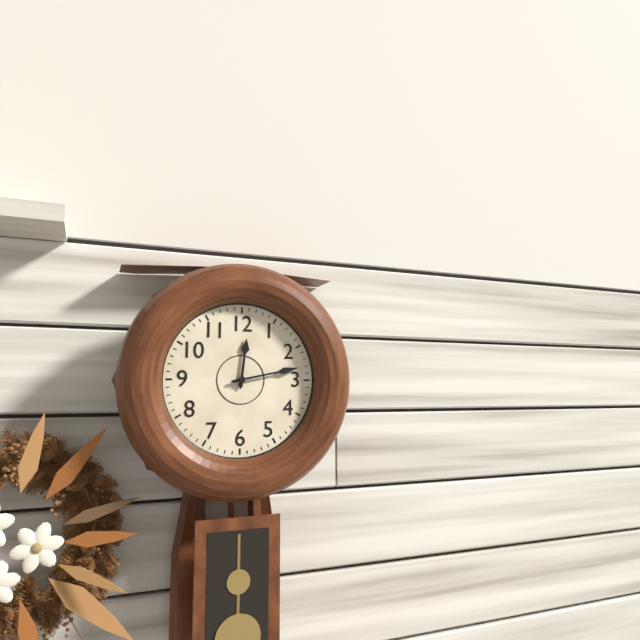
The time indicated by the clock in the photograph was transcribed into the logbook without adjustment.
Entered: 12:13
